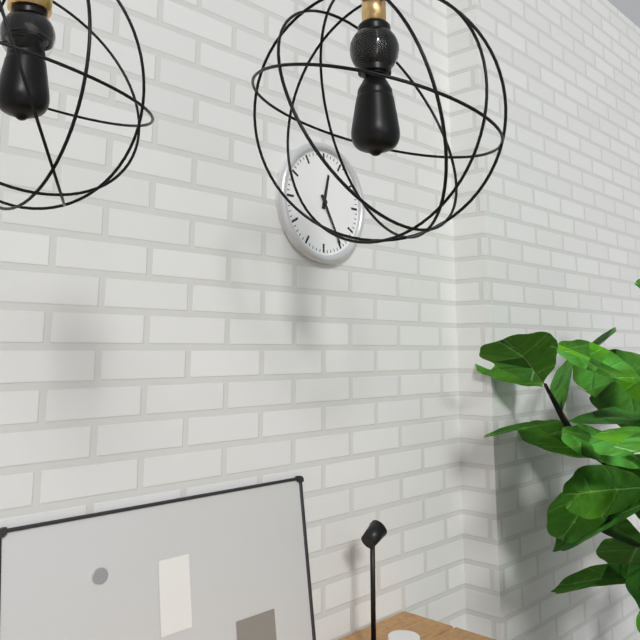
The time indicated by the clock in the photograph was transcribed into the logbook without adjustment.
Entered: 12:25
